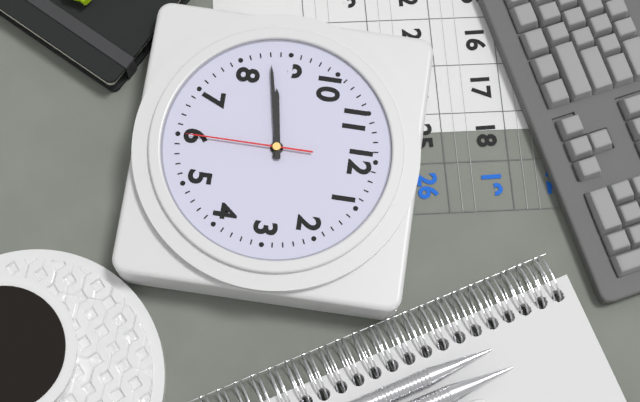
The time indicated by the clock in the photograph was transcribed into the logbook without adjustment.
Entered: 8:43:30
